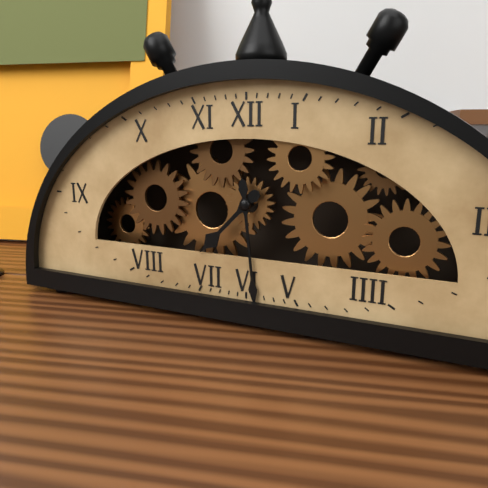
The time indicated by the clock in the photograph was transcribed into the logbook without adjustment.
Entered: 7:29
